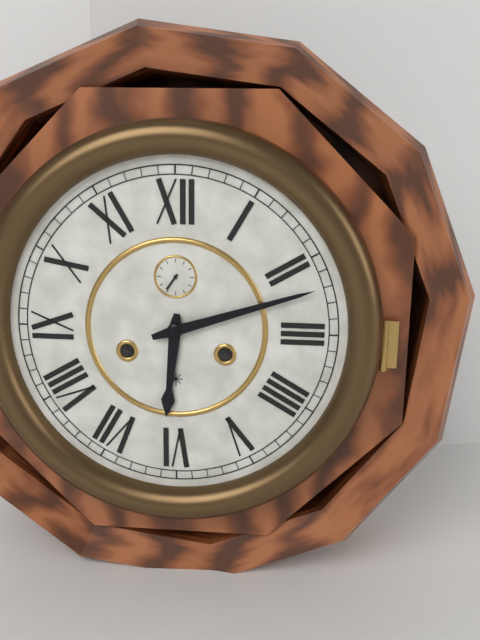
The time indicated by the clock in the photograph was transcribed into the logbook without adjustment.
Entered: 6:12
